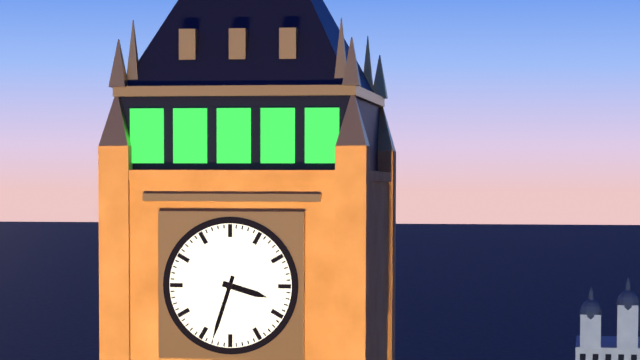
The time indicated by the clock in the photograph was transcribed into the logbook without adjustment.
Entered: 3:33
